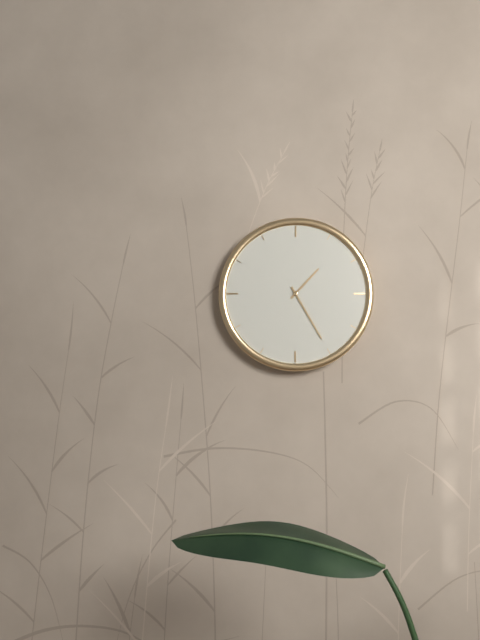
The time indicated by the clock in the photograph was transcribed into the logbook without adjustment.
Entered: 1:25
